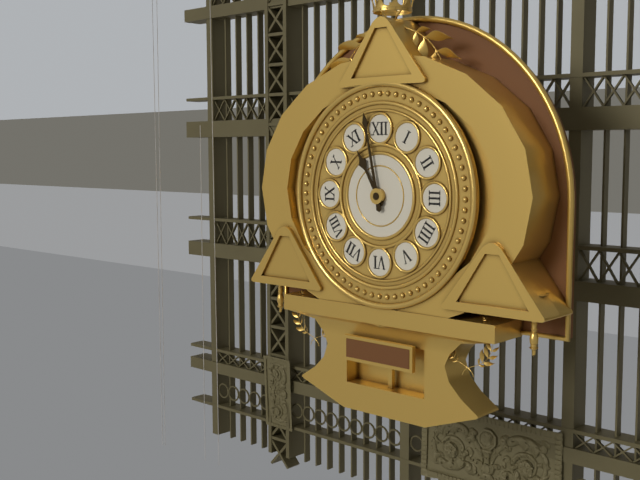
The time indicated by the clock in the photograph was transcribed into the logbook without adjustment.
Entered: 10:58
